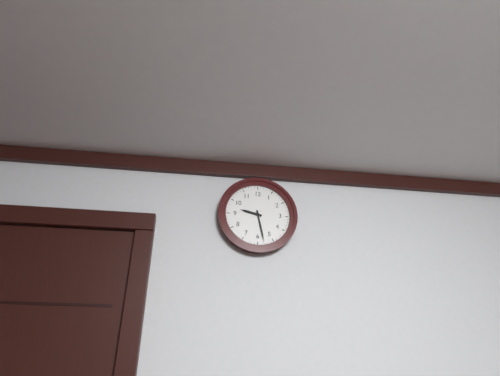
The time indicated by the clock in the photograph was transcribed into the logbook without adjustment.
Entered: 9:28
